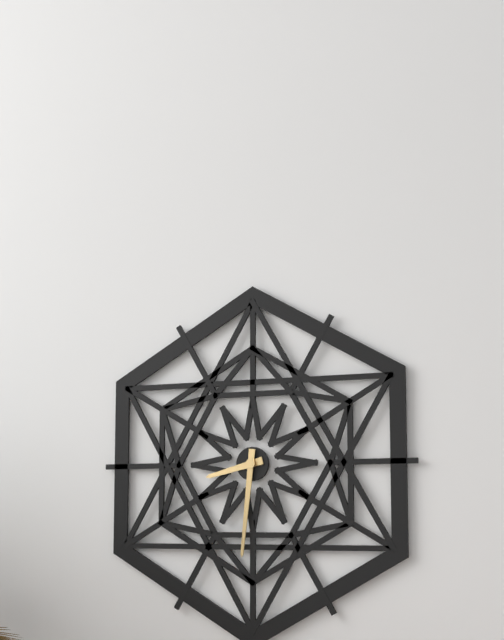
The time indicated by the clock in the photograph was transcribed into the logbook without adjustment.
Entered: 8:31
